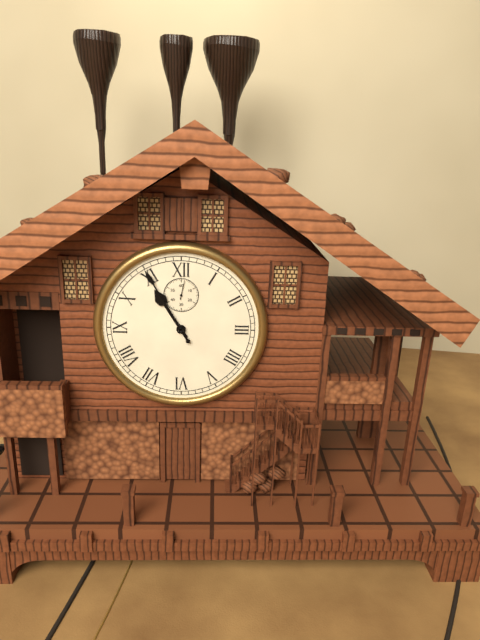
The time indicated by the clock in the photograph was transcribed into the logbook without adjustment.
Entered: 10:55
